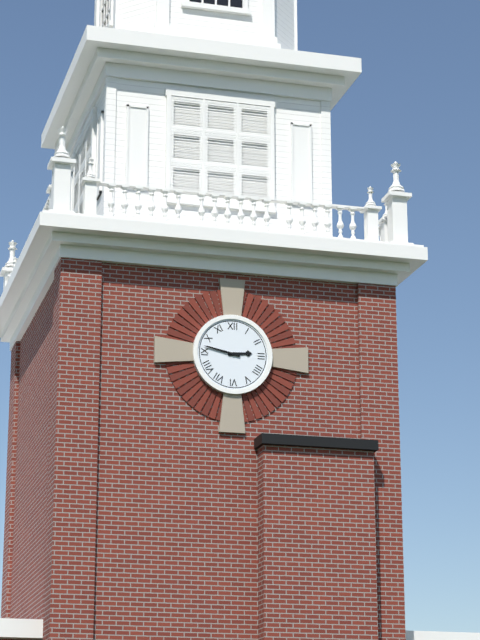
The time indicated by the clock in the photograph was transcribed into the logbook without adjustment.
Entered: 2:47
